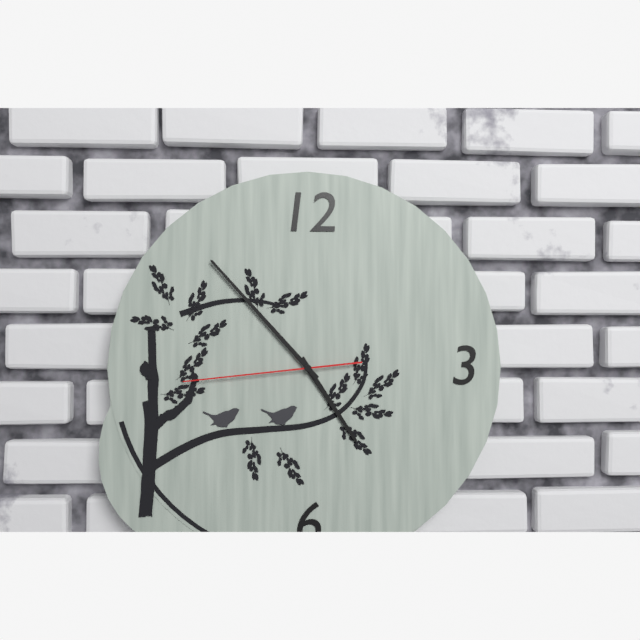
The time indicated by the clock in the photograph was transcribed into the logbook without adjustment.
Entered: 4:53:44
